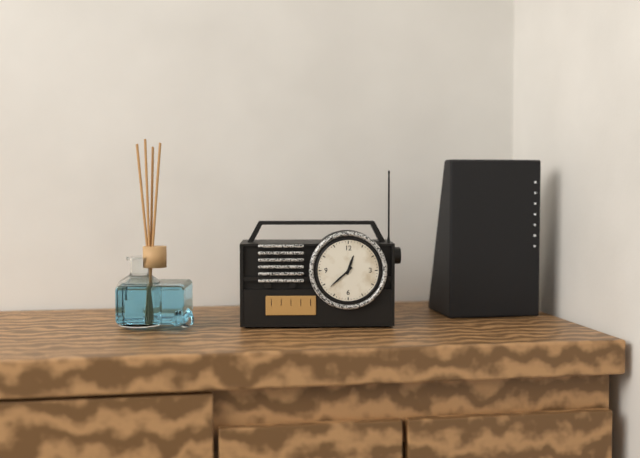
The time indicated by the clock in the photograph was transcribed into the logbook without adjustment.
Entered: 12:38
